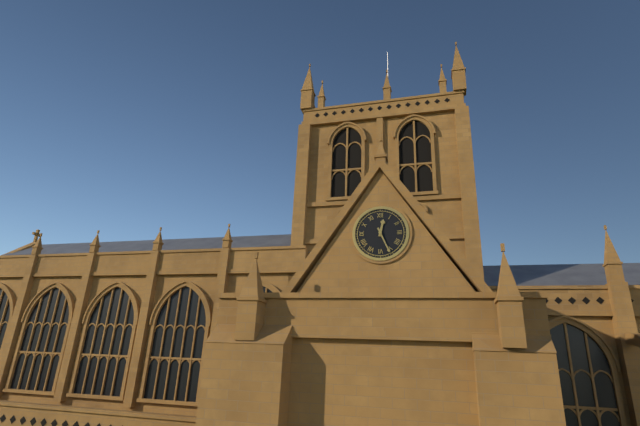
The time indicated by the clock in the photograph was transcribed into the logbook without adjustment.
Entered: 12:26
